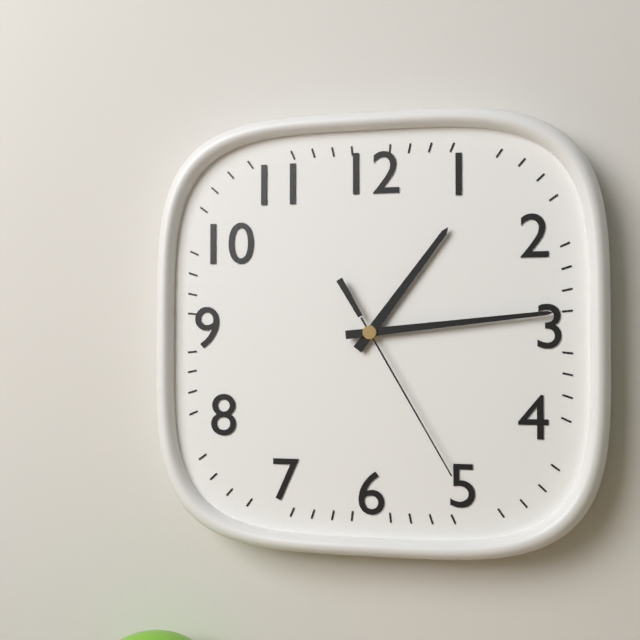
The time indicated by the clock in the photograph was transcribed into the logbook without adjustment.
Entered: 1:14:25
